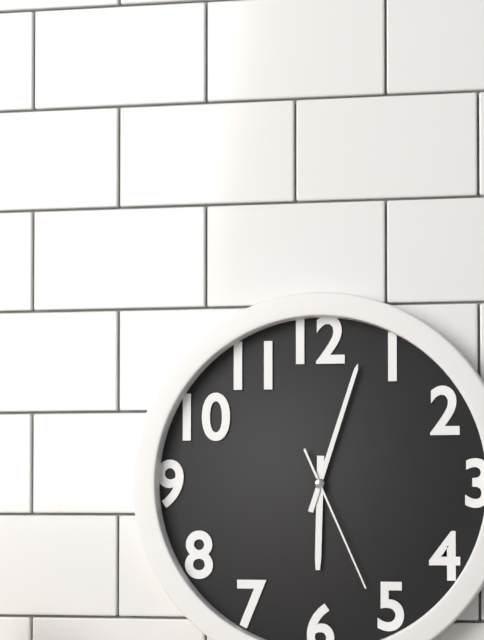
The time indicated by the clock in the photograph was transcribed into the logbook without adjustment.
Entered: 6:03:26
